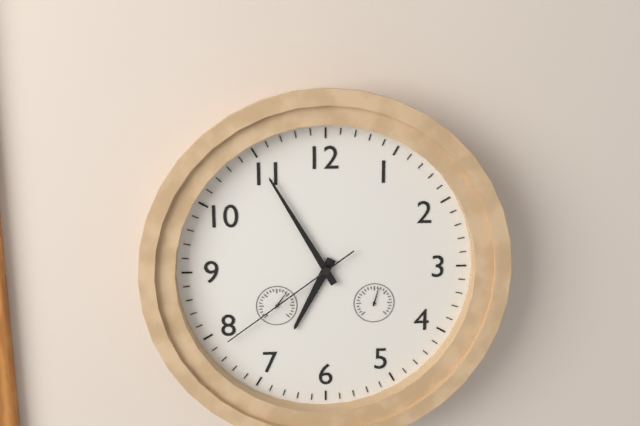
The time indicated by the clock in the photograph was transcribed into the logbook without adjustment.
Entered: 6:55:39
